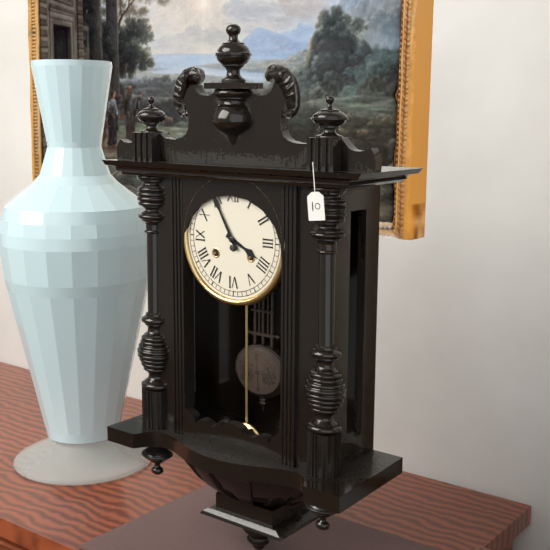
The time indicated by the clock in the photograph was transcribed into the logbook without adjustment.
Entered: 3:55
